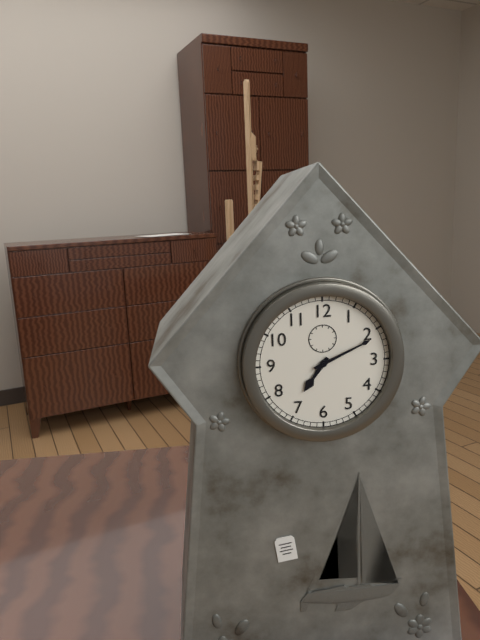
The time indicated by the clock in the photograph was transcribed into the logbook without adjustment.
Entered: 7:11
